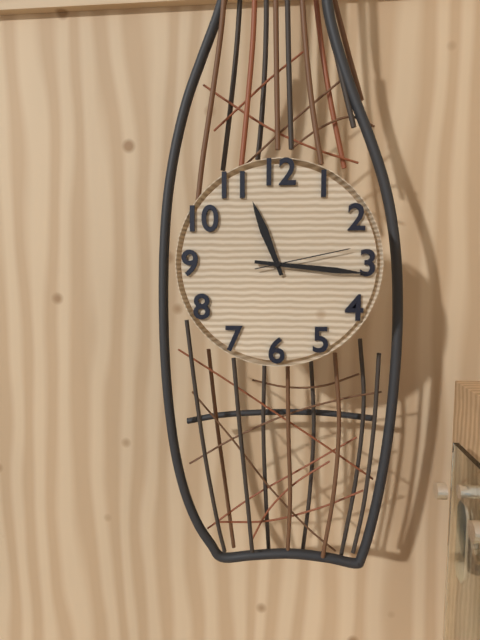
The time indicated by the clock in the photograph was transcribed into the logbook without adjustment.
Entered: 11:16:13
